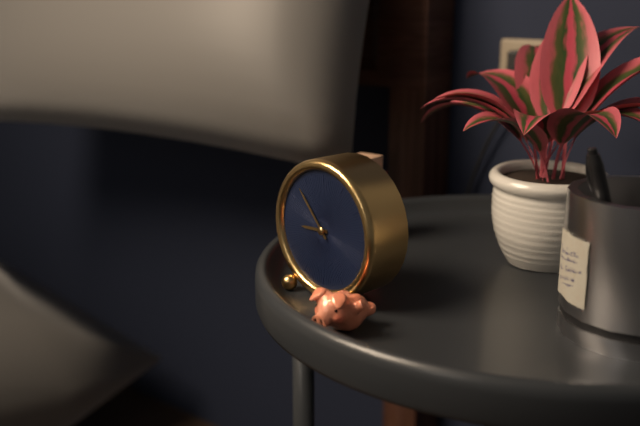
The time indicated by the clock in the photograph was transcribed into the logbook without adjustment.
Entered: 8:53
